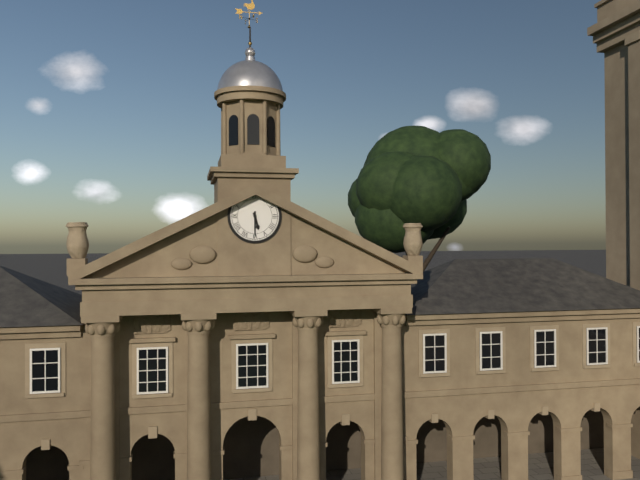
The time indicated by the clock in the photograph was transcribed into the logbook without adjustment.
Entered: 5:30
